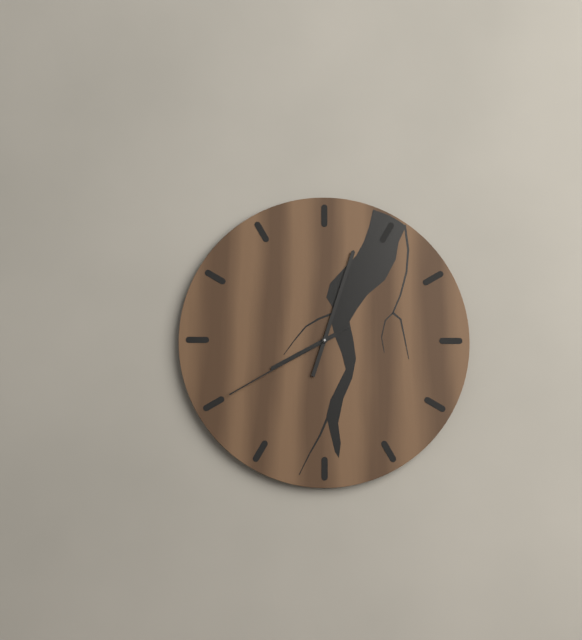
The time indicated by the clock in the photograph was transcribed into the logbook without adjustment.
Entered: 8:03:40
